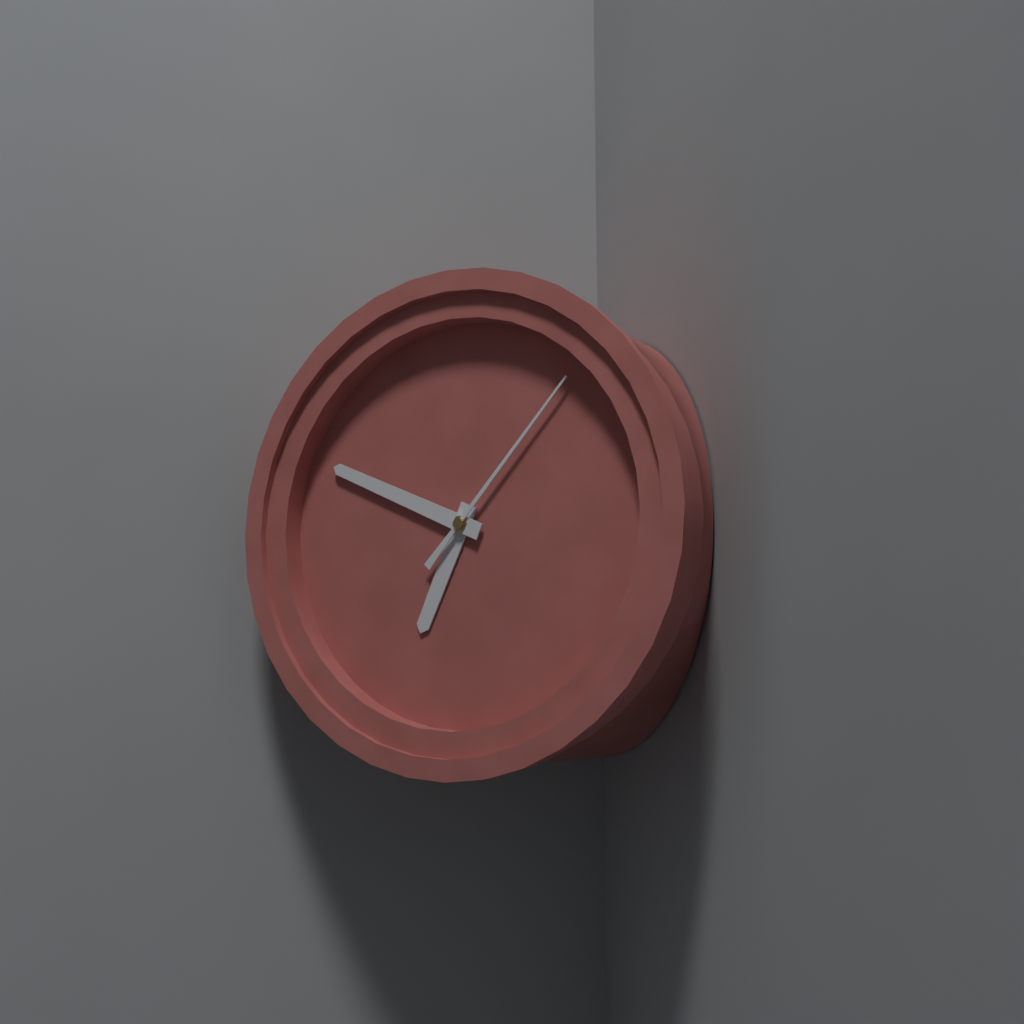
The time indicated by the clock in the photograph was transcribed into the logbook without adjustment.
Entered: 6:49:07
